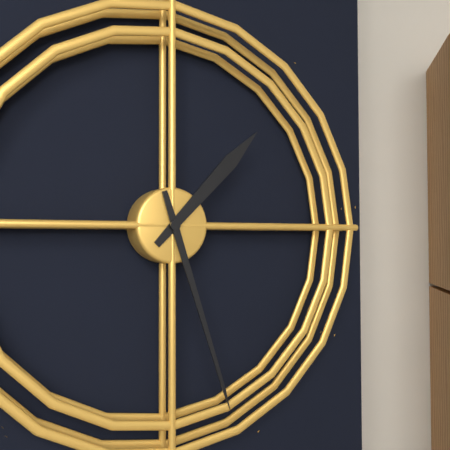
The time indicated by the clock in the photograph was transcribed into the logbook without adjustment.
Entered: 1:27
